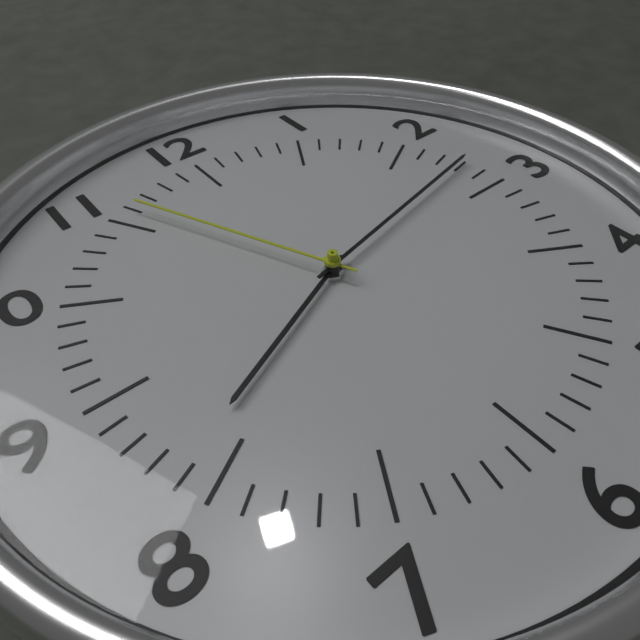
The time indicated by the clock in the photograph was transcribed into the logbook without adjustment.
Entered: 8:13:56
